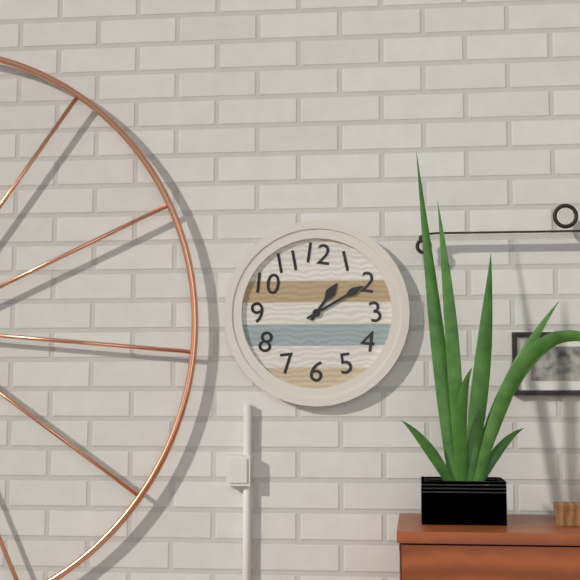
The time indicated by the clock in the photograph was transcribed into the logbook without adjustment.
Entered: 1:10
